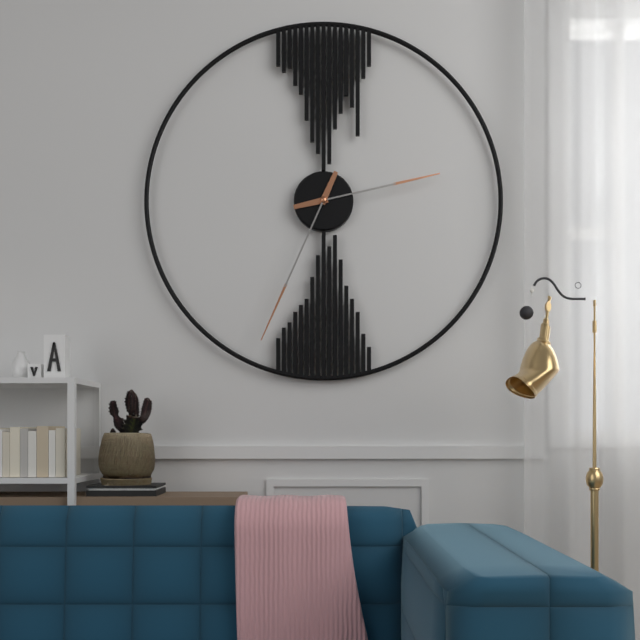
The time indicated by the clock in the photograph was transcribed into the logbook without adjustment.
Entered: 2:34
